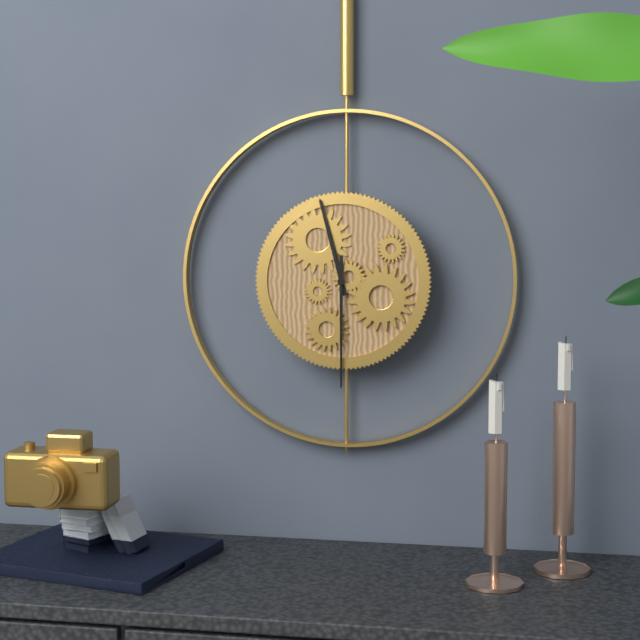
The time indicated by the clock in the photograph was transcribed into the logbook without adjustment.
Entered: 11:30
